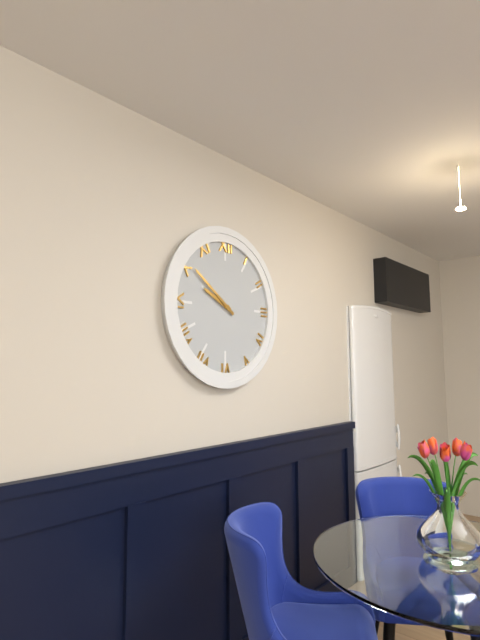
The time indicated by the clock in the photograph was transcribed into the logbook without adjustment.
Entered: 9:51
